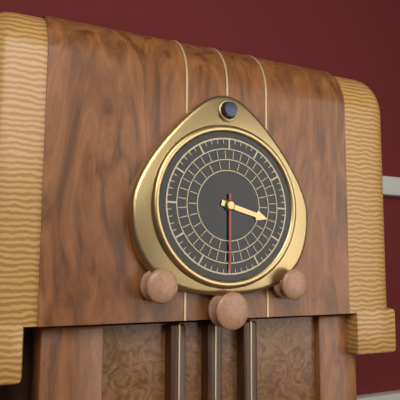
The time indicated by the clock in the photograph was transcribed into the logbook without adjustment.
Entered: 3:30
